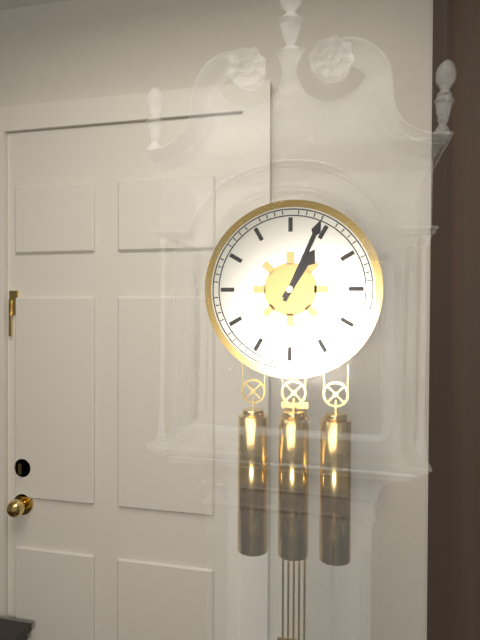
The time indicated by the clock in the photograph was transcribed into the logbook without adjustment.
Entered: 1:04
